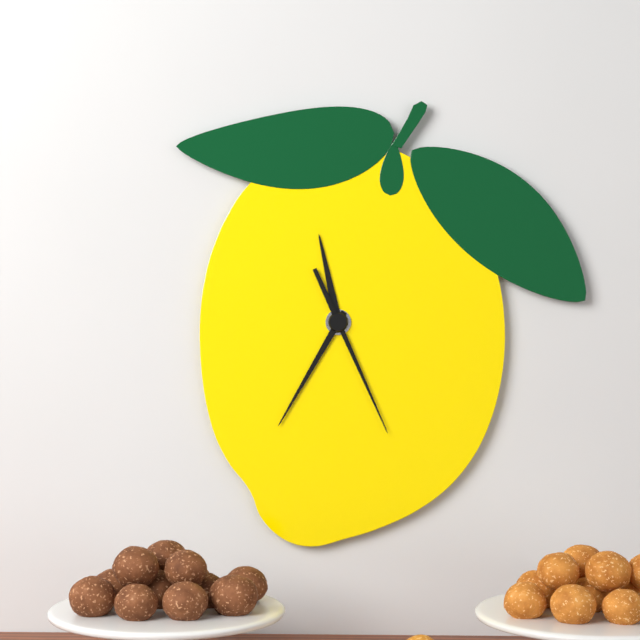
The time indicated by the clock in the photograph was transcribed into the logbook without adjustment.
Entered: 11:35:26
